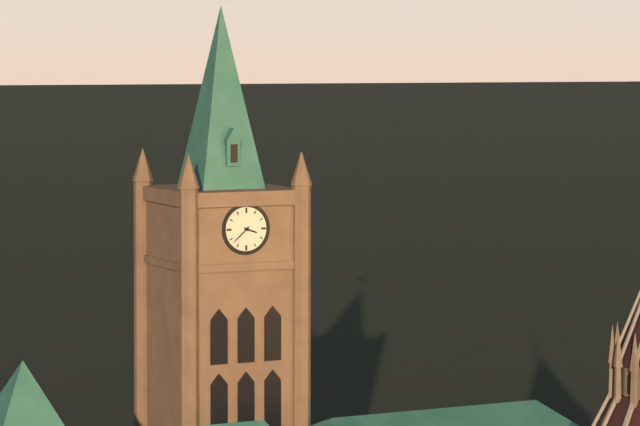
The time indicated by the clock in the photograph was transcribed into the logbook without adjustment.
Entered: 3:38
